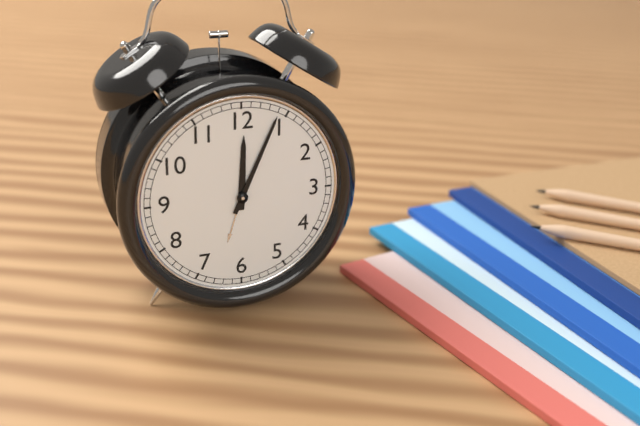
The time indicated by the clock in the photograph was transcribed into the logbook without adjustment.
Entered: 12:04
